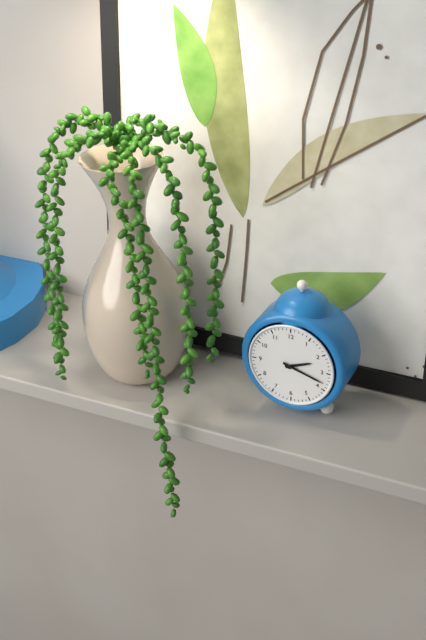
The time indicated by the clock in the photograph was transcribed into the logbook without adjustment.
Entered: 2:18
